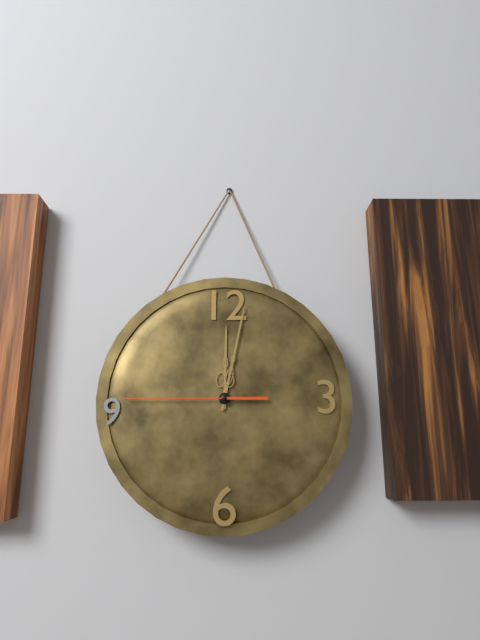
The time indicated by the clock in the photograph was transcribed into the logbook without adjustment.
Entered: 12:02:45
